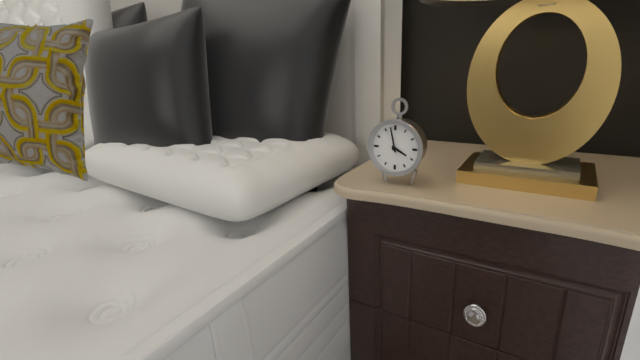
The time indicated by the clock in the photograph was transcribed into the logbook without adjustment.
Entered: 3:58
